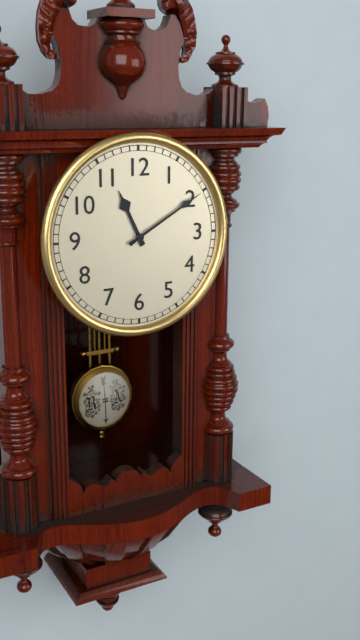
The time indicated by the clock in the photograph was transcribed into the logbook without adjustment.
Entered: 11:10
